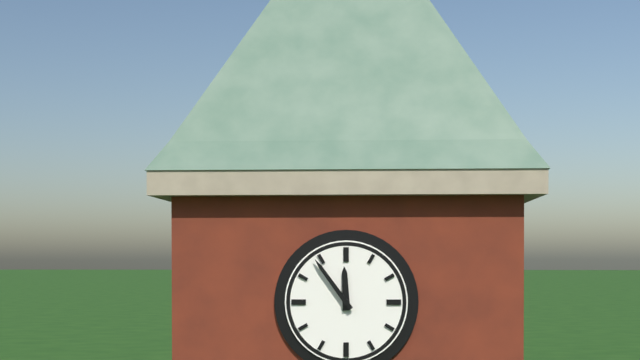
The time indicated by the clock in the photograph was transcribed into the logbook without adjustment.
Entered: 11:54
